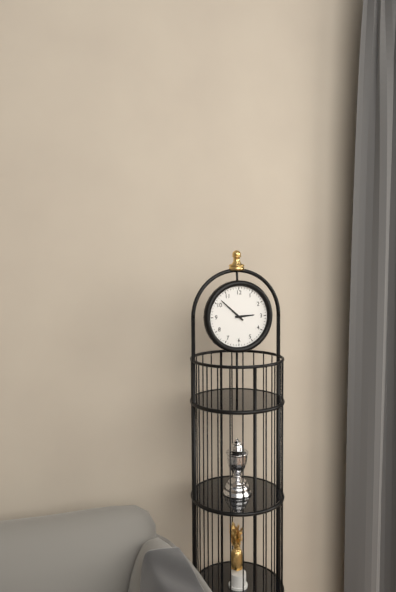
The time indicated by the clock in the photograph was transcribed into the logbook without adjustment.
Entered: 2:52
